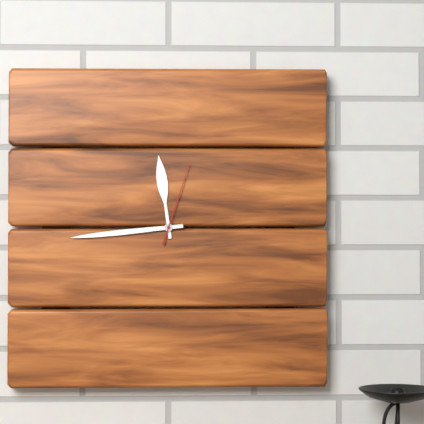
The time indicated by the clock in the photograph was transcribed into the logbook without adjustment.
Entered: 11:44:03
